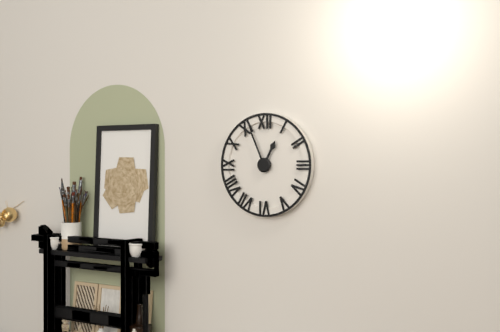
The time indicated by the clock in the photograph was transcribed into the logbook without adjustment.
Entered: 12:56
